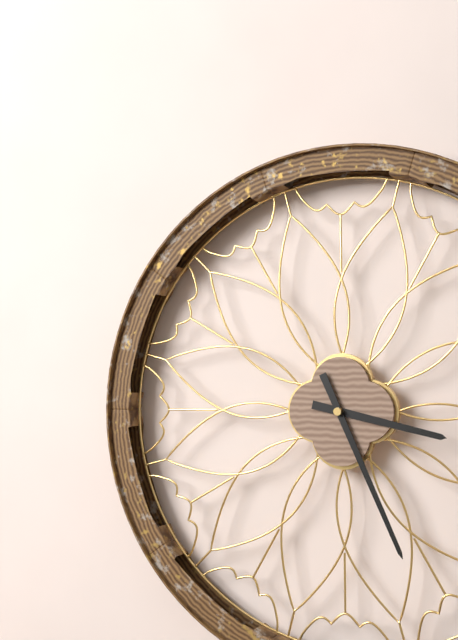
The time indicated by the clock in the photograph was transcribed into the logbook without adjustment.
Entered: 3:26
